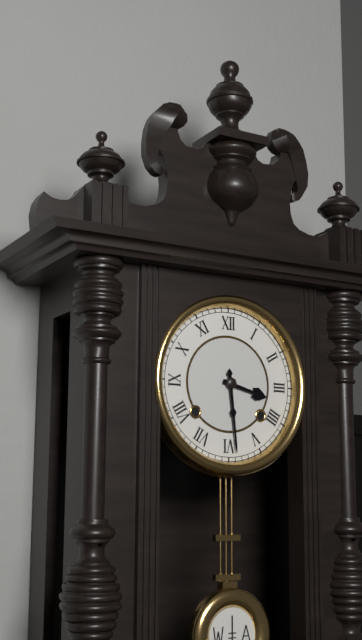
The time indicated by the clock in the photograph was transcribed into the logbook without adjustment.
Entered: 3:29
